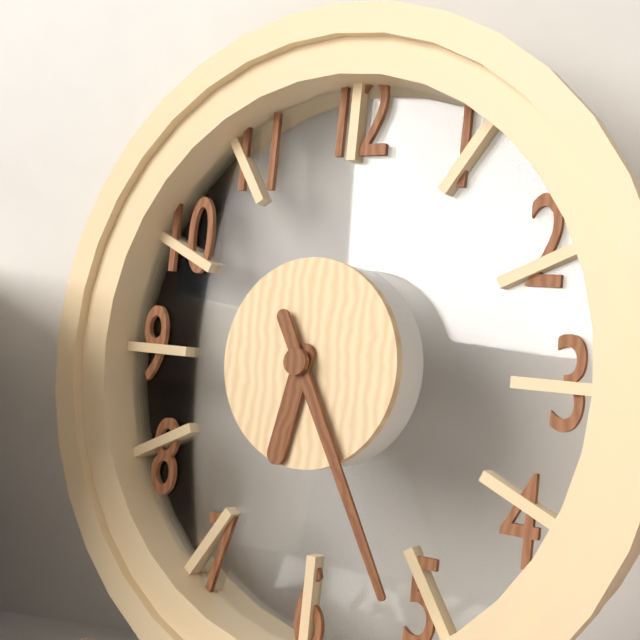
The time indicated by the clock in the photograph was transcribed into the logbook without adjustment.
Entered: 6:25
